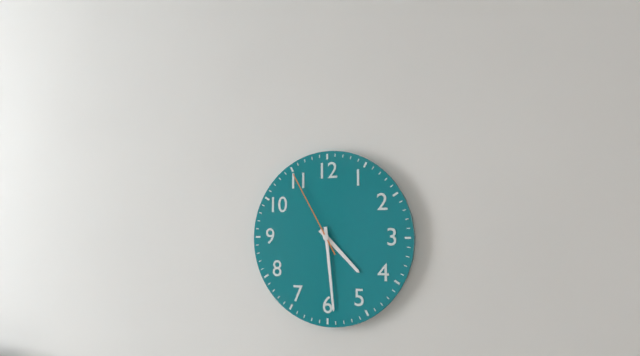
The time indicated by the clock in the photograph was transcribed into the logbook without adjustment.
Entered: 4:29:55
